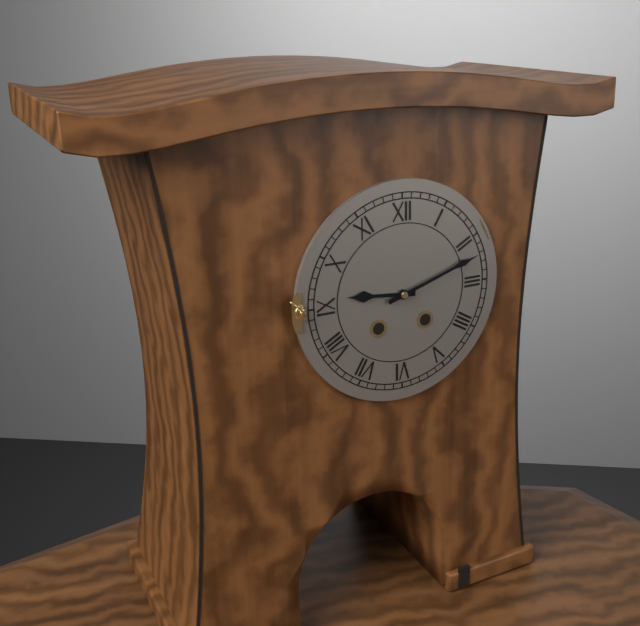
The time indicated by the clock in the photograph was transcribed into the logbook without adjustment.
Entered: 9:12
